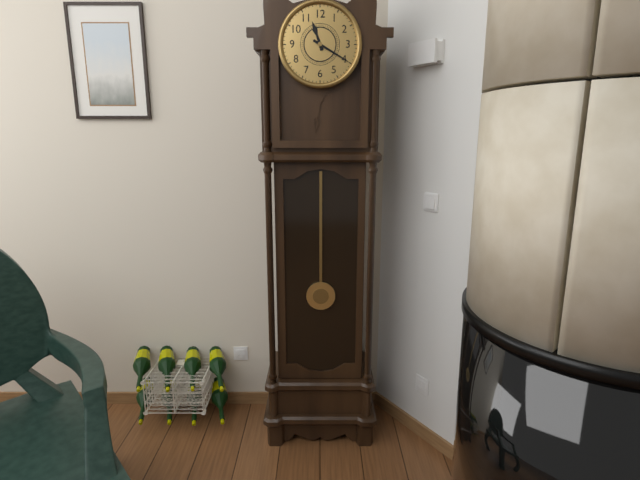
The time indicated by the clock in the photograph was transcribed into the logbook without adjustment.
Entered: 11:20
